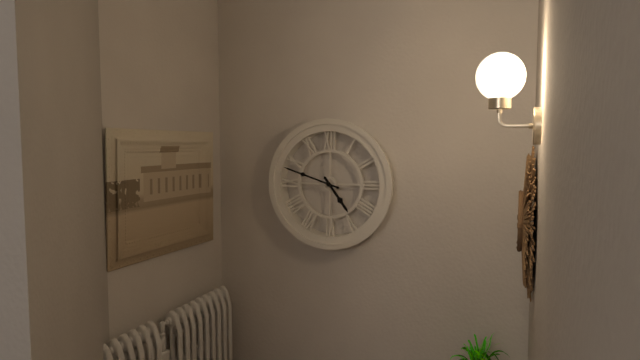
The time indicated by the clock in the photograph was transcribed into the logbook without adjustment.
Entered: 4:48
